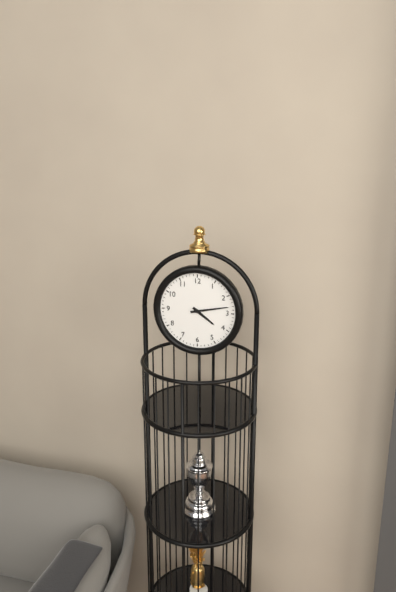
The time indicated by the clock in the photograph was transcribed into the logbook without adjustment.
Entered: 4:13
